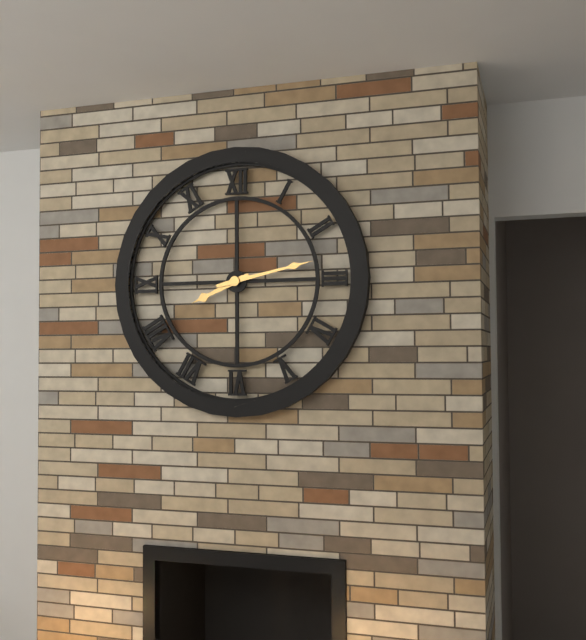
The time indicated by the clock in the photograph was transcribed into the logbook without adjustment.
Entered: 8:13
